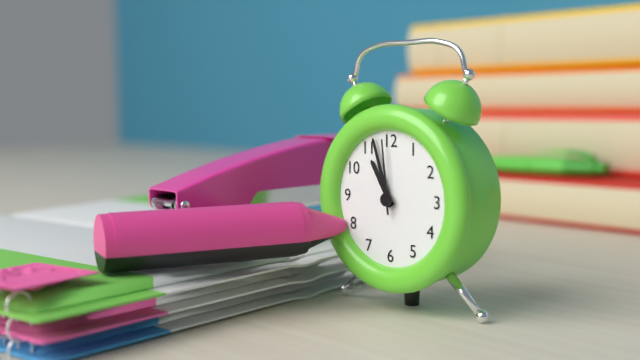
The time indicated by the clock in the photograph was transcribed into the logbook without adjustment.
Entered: 10:57:59
